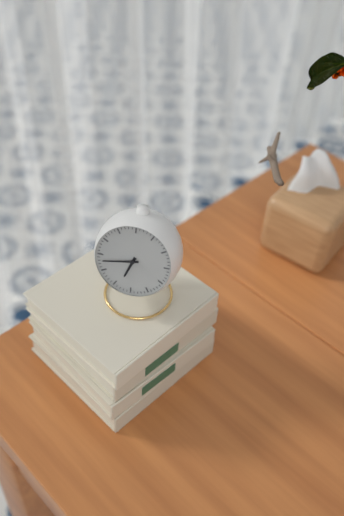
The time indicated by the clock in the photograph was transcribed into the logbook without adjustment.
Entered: 6:43
